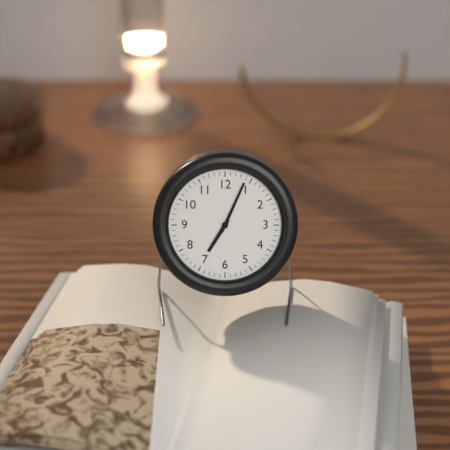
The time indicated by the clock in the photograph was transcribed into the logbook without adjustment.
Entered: 7:04
